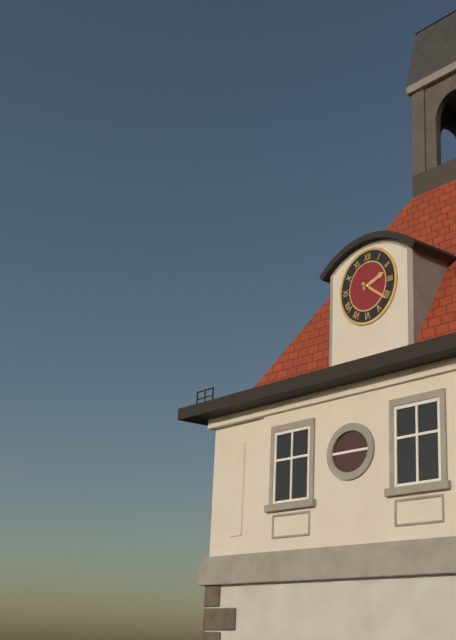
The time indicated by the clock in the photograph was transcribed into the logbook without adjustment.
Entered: 2:21
